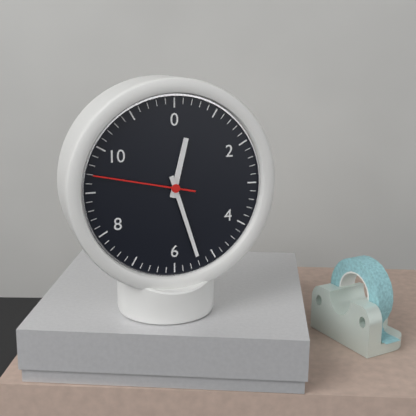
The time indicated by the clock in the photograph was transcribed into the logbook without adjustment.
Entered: 12:27:47
